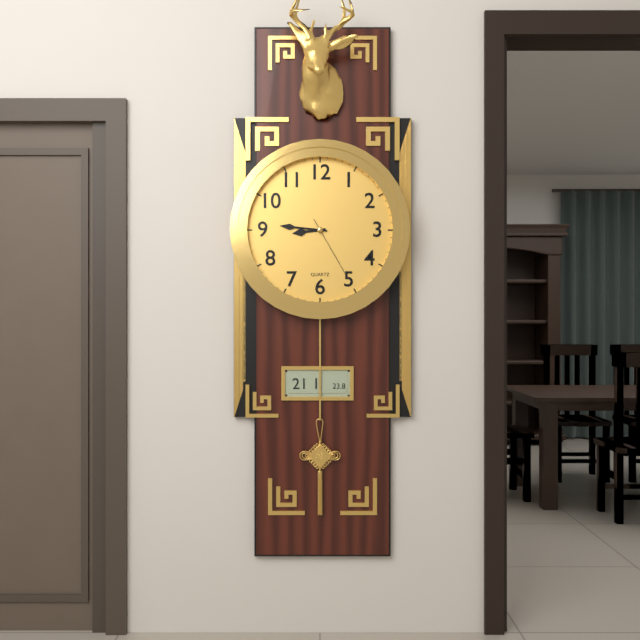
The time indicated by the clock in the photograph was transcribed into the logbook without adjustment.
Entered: 8:46:25
